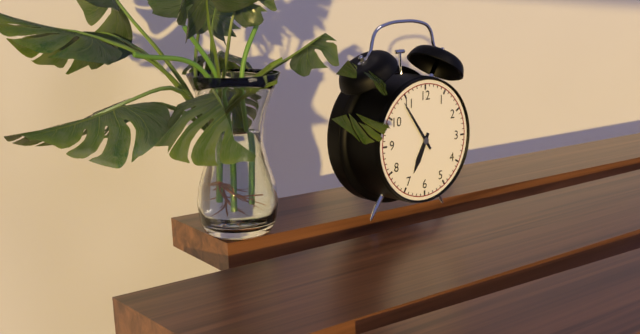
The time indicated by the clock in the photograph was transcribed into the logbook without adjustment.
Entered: 6:54
